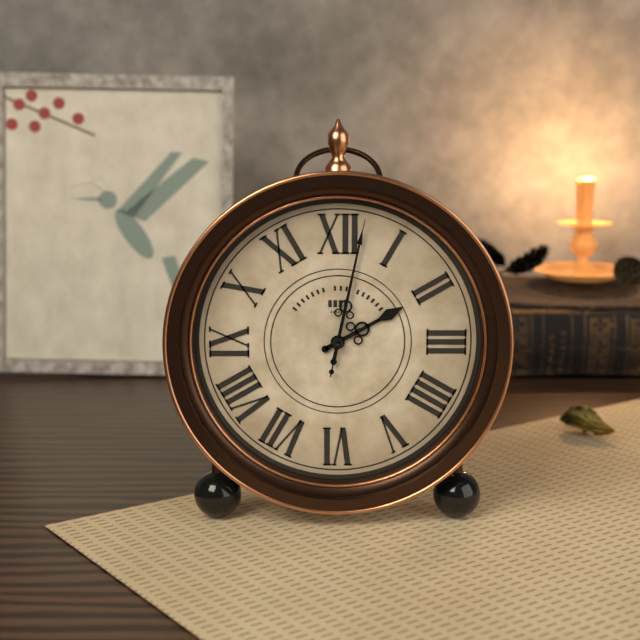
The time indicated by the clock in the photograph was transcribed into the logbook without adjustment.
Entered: 2:02:02
